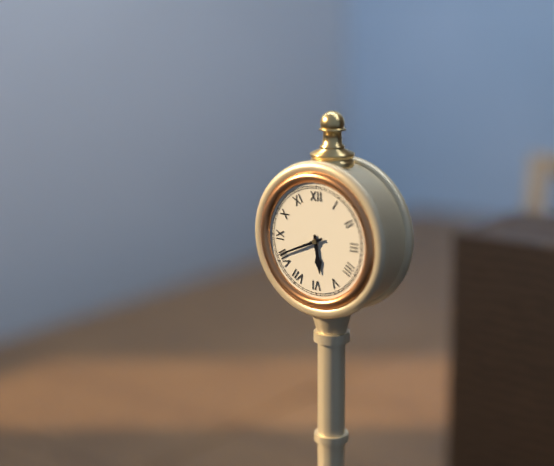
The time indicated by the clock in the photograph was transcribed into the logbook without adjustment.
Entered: 5:41
